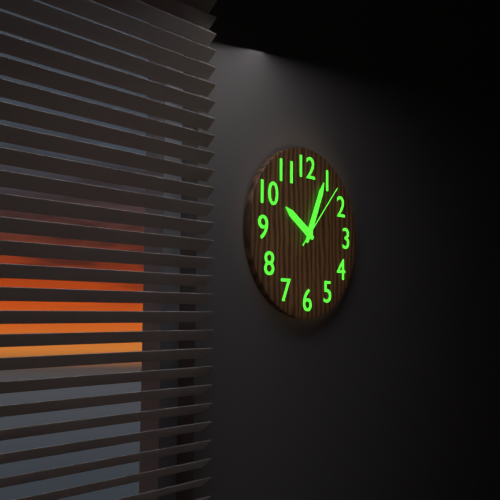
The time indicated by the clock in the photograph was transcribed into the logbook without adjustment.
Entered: 10:04:07
